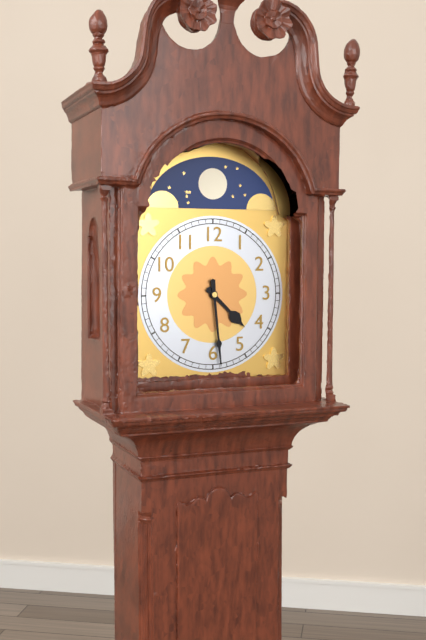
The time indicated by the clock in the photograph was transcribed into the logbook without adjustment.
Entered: 4:29
